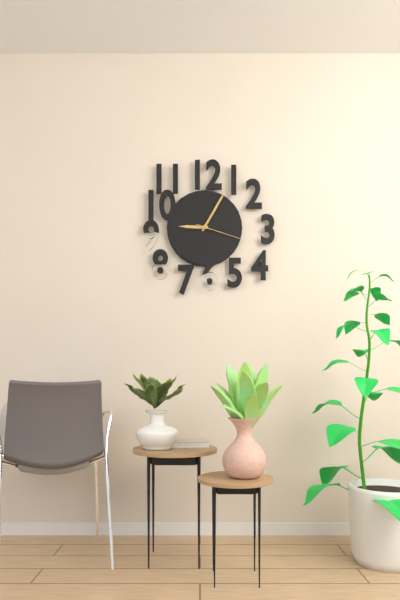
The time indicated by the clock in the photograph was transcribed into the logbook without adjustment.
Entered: 9:05:18
